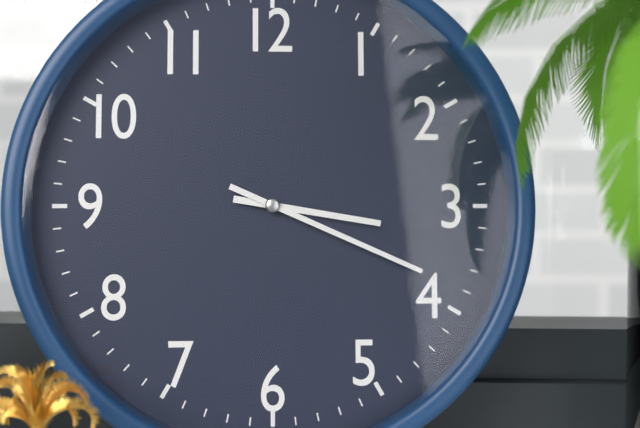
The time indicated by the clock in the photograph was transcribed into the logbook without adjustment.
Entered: 3:19
